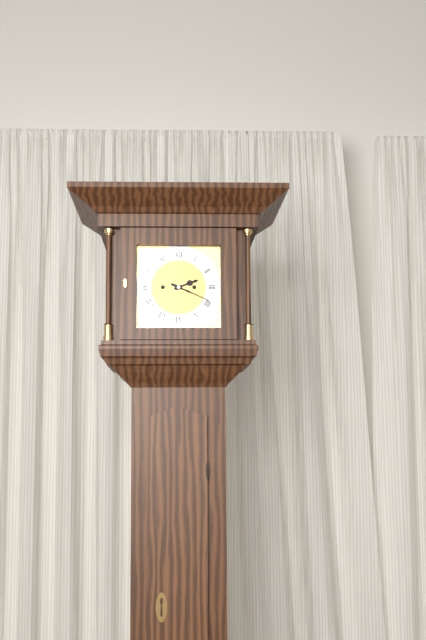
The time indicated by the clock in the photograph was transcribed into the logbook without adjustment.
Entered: 2:19
